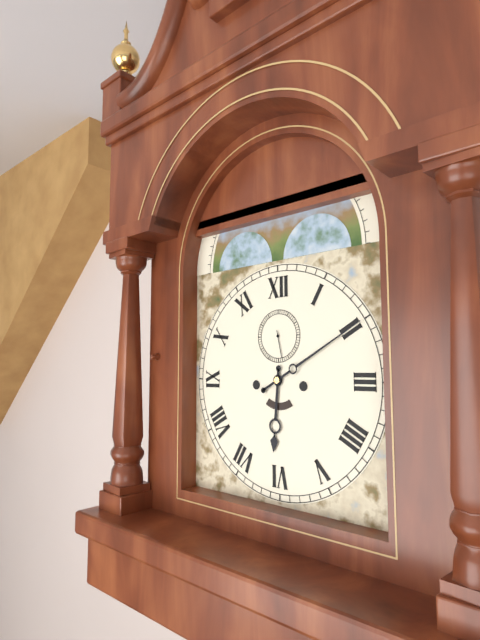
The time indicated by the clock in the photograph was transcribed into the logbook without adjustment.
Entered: 6:10
